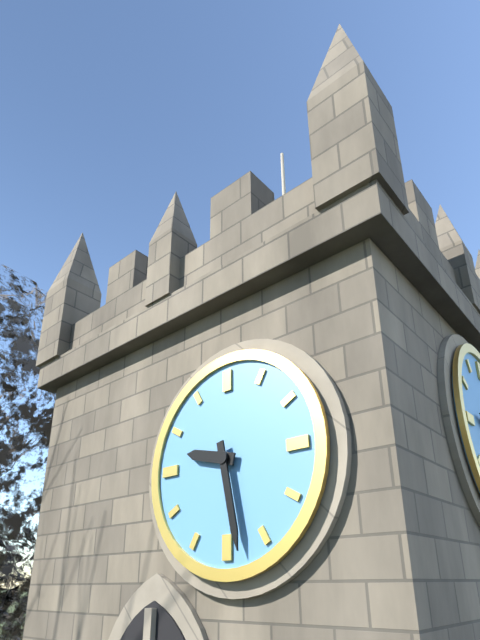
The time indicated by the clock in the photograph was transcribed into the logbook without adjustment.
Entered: 9:28
